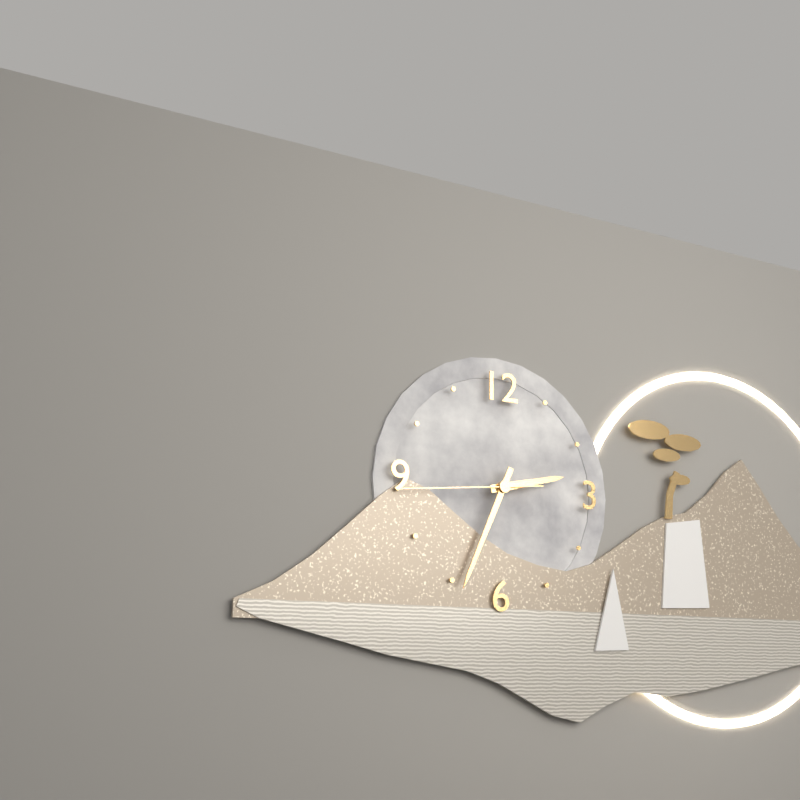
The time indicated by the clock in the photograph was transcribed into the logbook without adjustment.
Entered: 2:34:44
